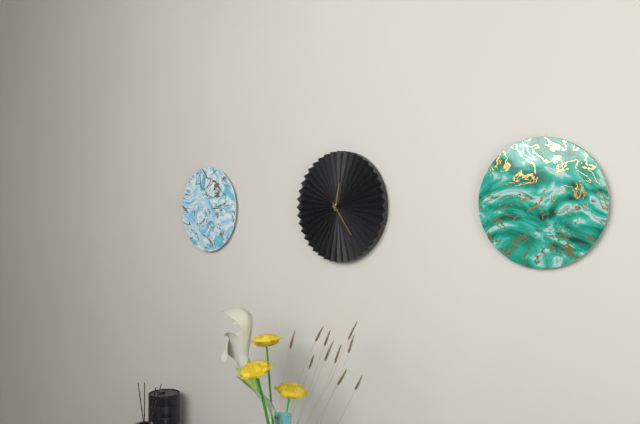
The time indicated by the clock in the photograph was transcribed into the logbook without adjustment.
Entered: 12:24
